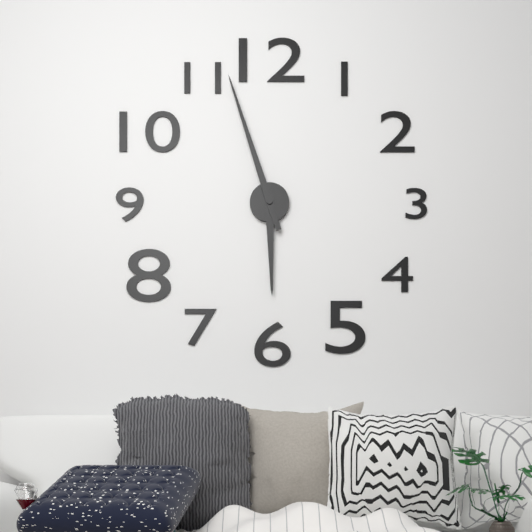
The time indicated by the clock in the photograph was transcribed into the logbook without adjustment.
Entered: 5:57
